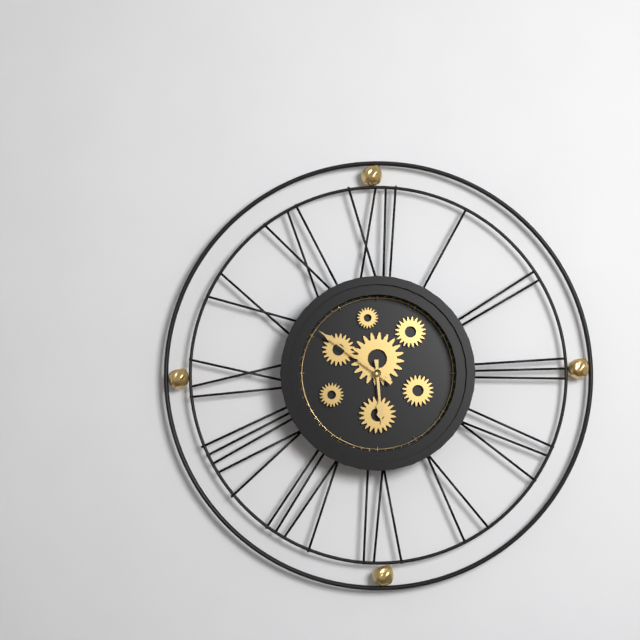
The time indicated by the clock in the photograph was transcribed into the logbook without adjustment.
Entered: 5:51
